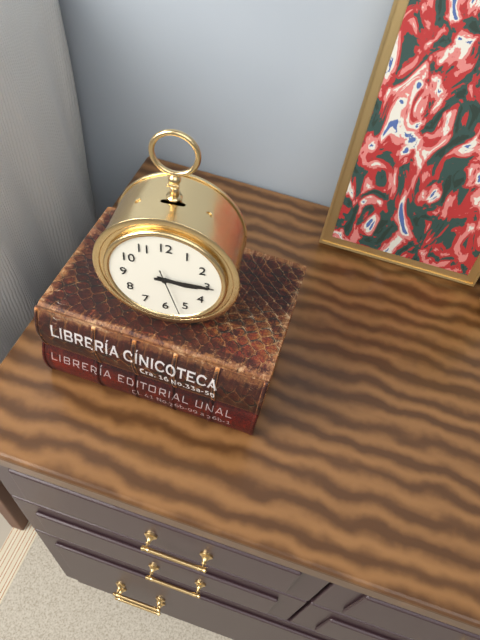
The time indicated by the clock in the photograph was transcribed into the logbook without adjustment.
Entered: 3:15
